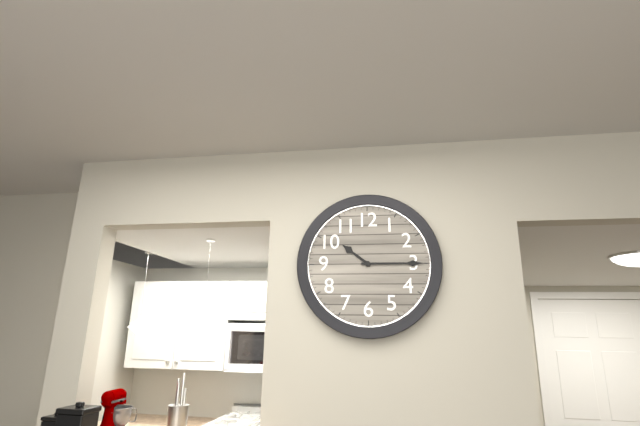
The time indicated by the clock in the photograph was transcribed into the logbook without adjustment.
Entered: 10:15
